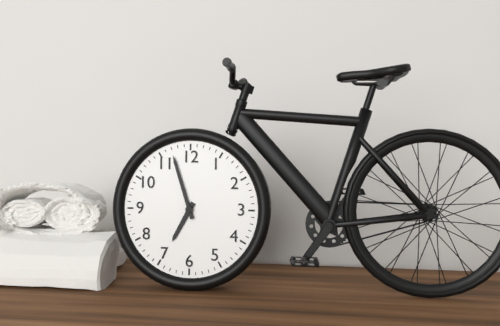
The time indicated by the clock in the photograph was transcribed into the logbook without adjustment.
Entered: 6:57
